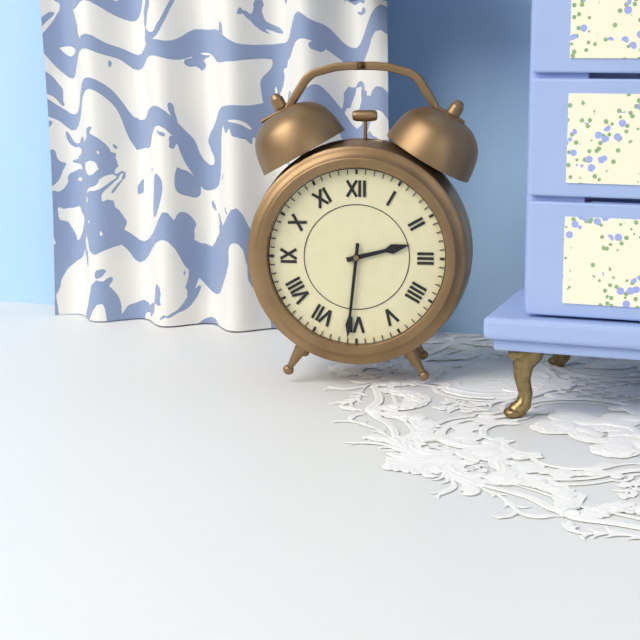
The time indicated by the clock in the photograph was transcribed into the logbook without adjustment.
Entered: 2:31
